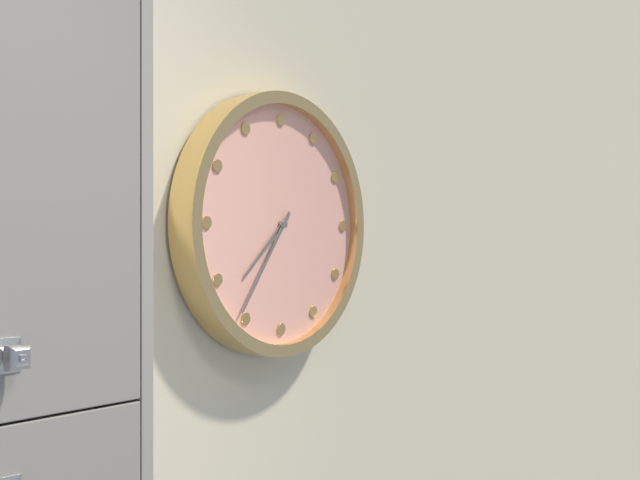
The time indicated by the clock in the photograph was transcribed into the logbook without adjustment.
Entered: 7:36
